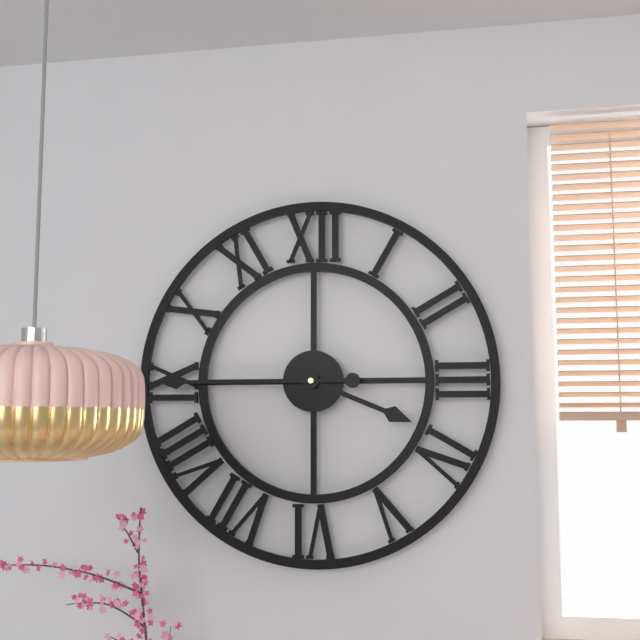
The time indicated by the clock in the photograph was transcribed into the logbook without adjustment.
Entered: 3:45
